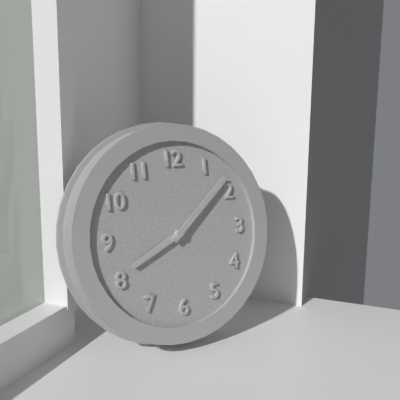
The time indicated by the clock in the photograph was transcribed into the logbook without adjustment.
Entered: 8:08
